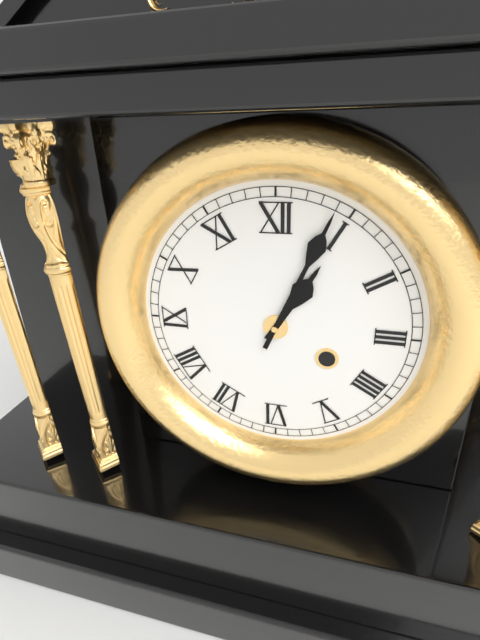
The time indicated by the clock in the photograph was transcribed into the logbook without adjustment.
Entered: 1:04
